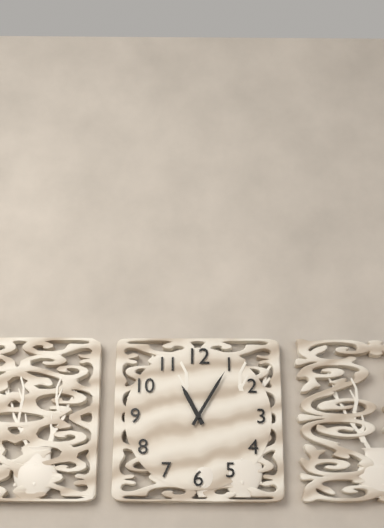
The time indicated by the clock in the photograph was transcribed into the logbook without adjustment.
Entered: 11:05
